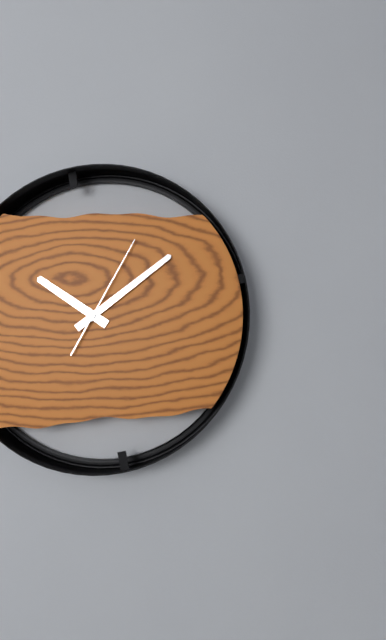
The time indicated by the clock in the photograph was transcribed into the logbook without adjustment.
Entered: 10:09:05
